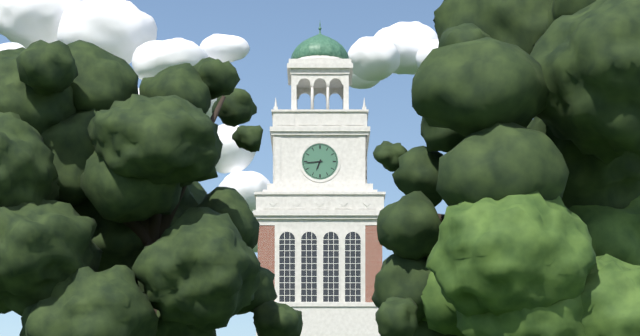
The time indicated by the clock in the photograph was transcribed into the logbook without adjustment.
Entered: 6:44
